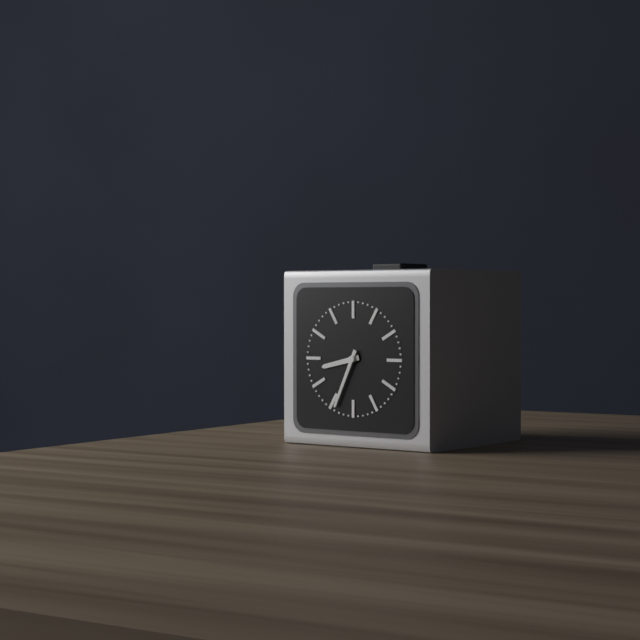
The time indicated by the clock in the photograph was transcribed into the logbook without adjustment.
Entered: 8:34
